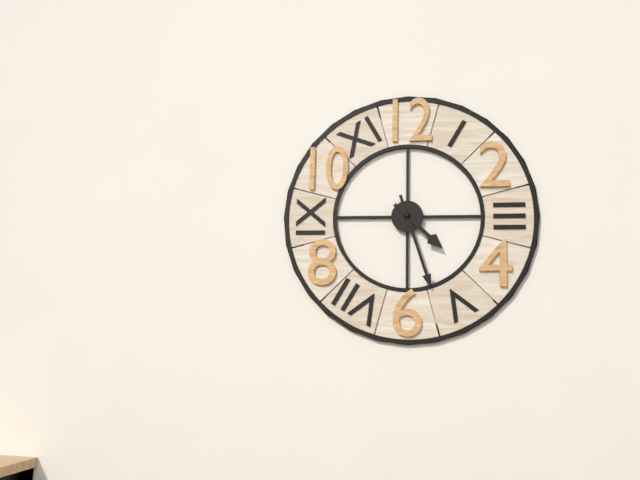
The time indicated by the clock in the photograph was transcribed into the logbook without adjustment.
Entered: 4:27
